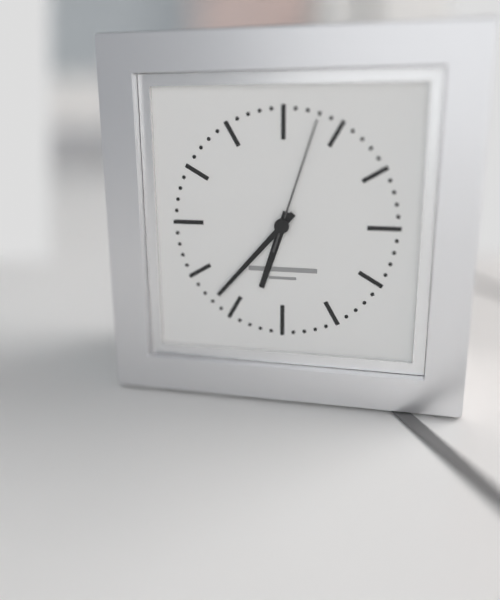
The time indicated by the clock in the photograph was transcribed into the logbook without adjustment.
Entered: 6:37:03
